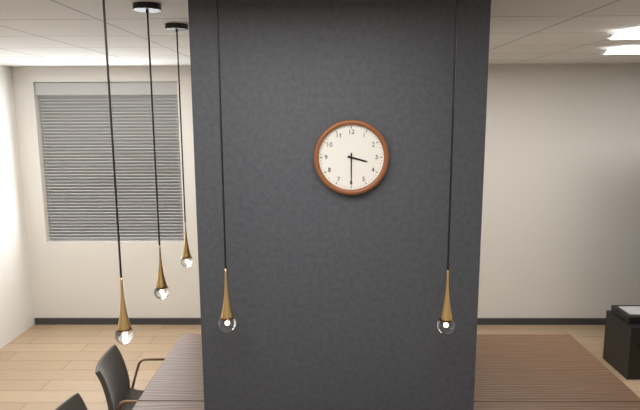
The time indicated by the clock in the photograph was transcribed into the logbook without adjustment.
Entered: 3:30
